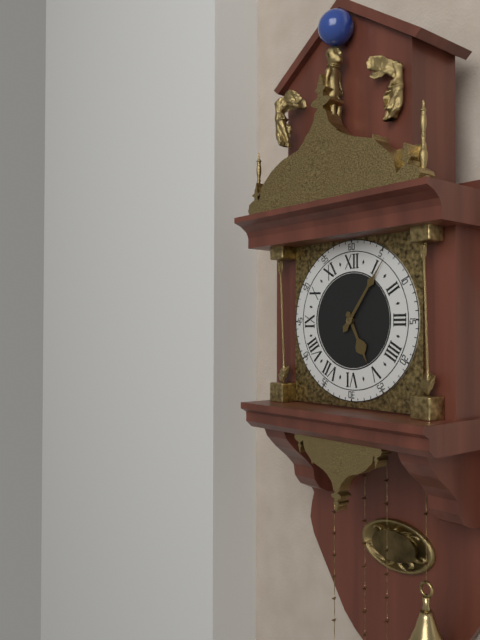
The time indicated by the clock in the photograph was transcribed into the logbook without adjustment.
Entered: 5:06
